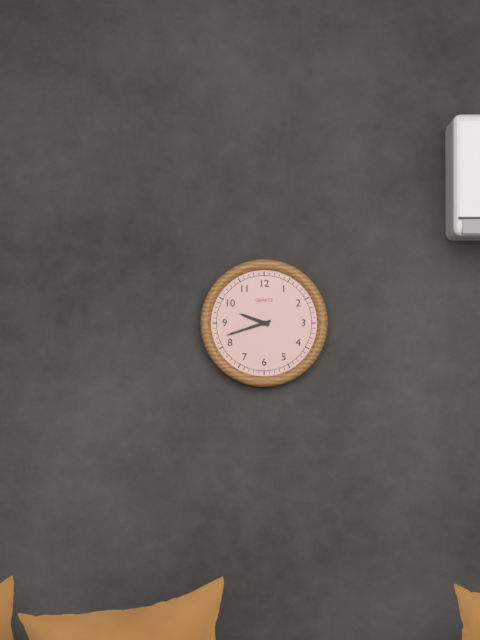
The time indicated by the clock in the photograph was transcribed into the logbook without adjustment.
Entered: 9:42
